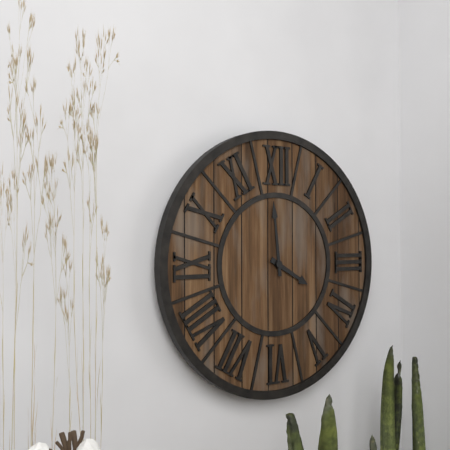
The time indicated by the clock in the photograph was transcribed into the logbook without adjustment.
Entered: 3:59
